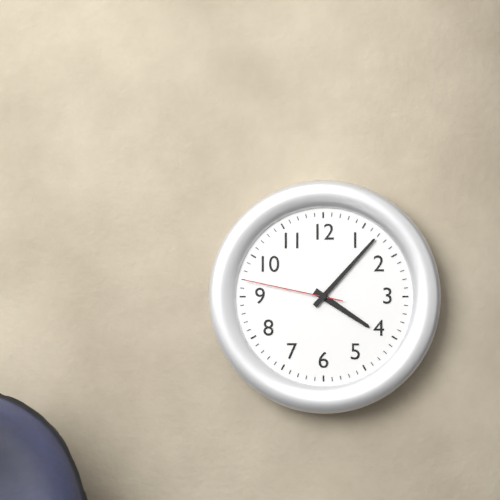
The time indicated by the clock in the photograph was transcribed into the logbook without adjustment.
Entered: 4:07:47
